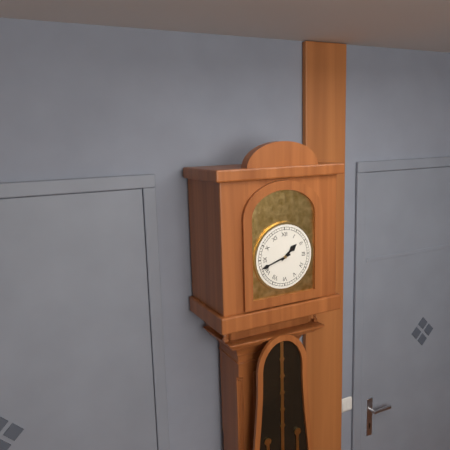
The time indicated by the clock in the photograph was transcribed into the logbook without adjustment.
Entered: 1:42
